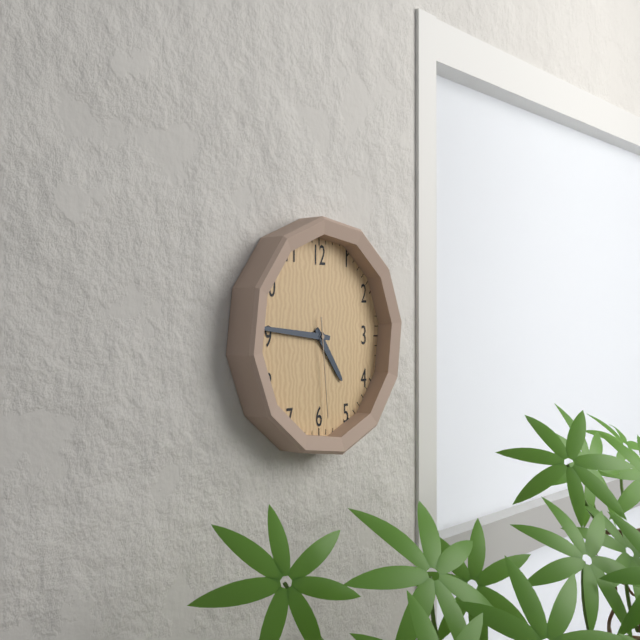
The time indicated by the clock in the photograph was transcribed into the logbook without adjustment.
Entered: 4:46:29
